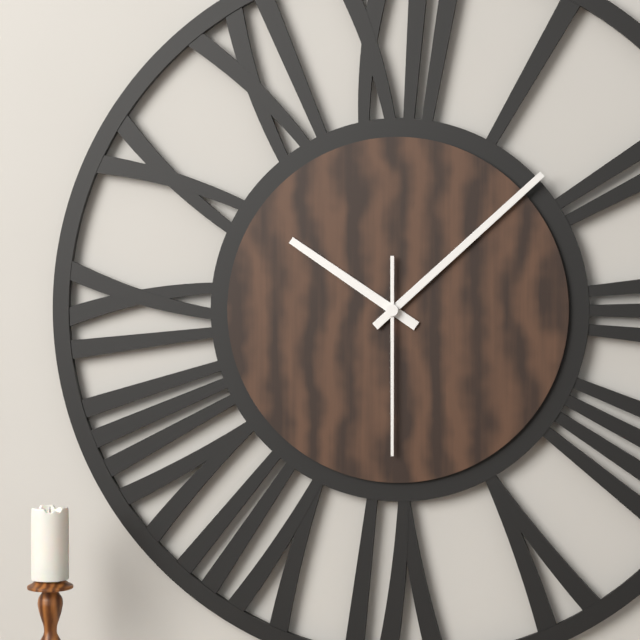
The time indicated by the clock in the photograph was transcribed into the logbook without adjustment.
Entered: 10:08:30
